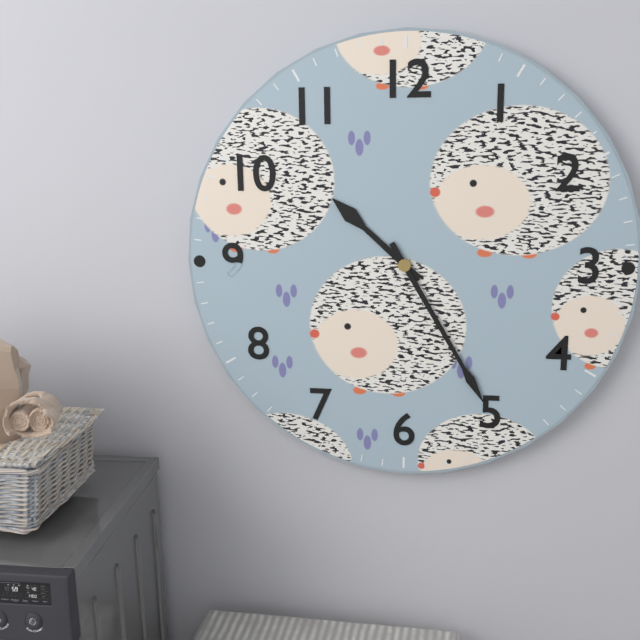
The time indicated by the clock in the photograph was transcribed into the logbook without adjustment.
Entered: 10:25
